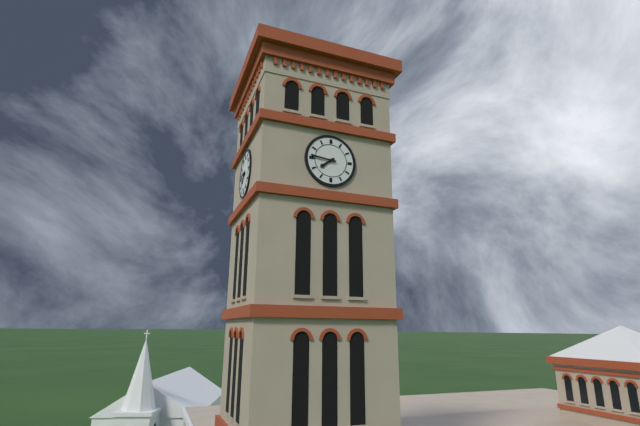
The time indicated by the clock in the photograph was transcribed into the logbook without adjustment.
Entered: 7:46
